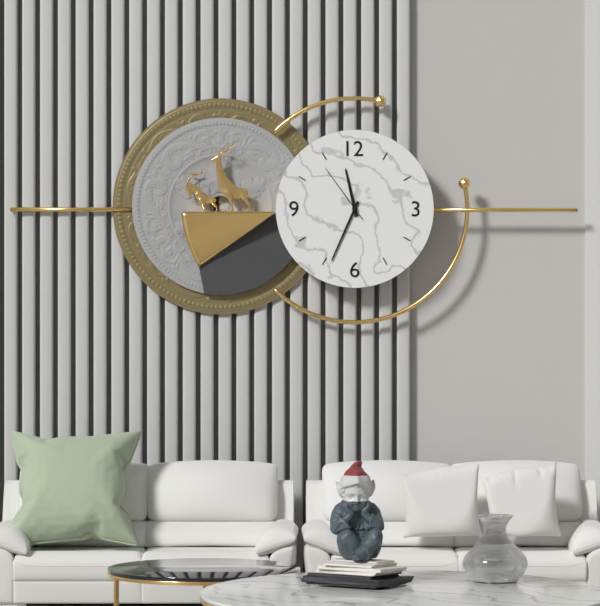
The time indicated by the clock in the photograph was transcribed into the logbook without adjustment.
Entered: 11:34:54
